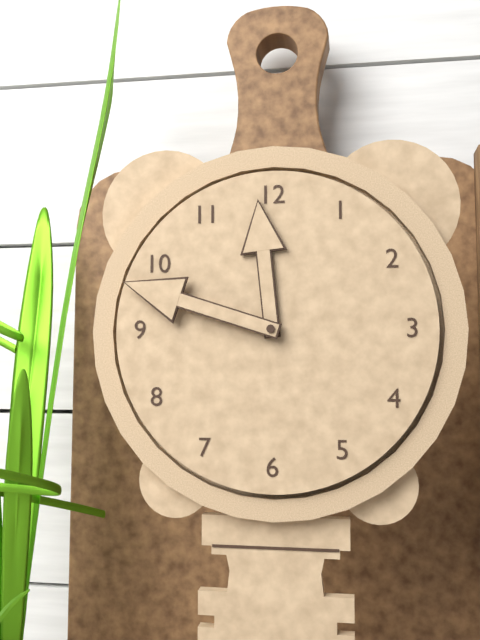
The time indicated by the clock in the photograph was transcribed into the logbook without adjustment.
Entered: 11:48
